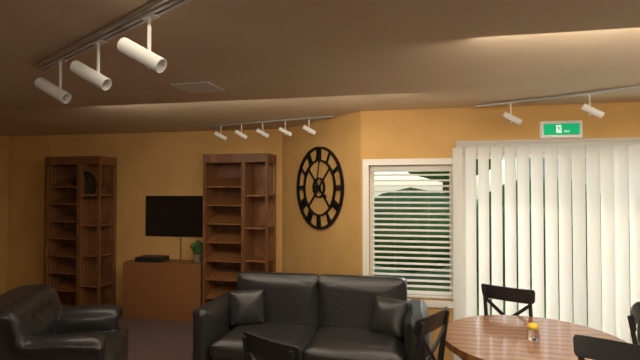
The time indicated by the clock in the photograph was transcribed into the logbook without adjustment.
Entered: 4:02
